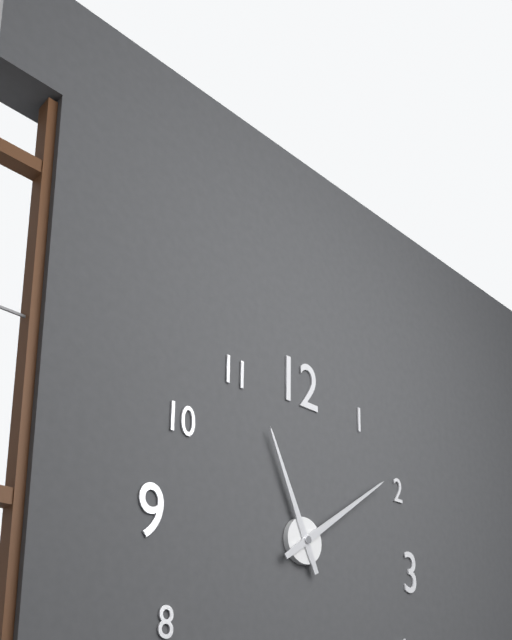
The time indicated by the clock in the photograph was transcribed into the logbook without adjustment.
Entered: 11:09
